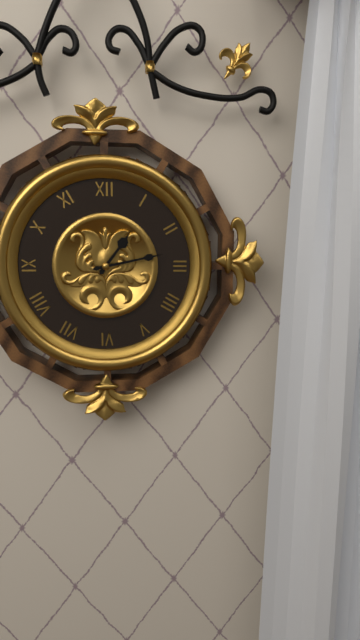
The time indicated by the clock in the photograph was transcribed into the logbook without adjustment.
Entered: 1:13
